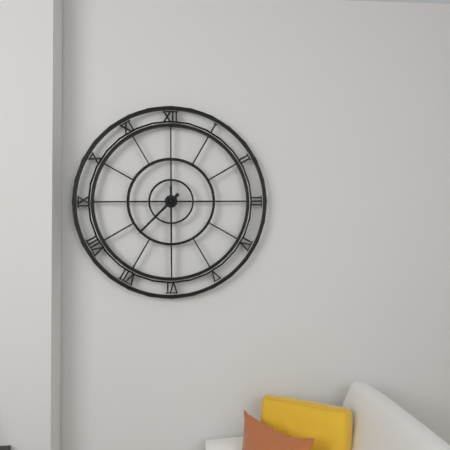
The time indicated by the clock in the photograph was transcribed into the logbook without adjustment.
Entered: 7:30
